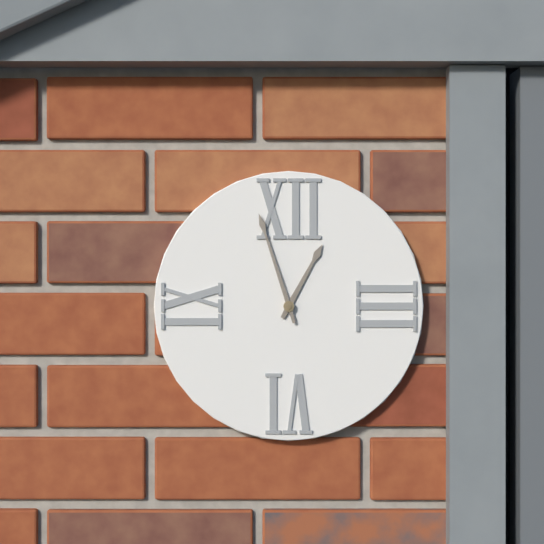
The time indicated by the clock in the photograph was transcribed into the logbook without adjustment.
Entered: 12:57
